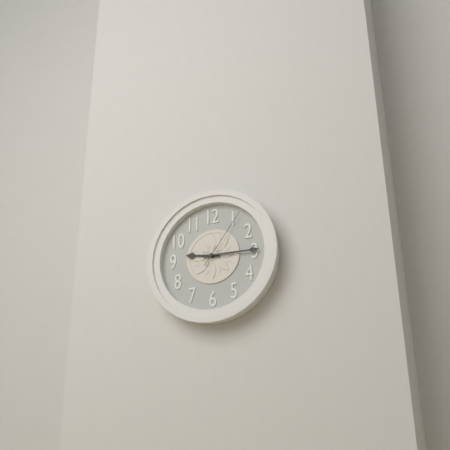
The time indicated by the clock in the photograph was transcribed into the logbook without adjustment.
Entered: 9:15:06
